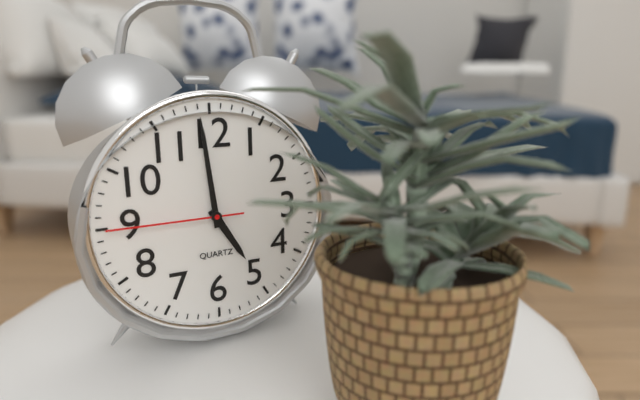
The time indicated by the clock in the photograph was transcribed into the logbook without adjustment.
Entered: 4:59:45
